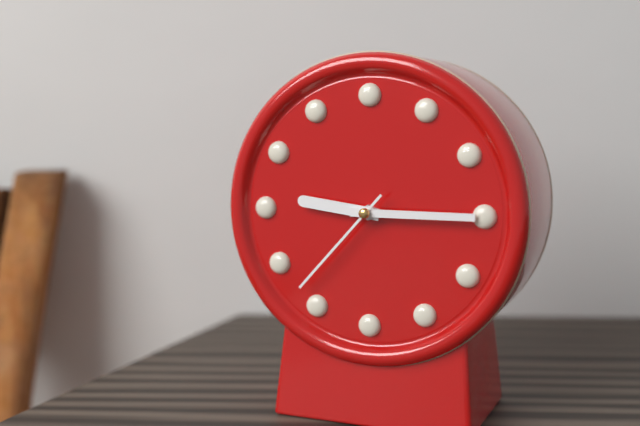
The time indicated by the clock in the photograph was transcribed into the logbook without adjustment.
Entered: 9:15:37
